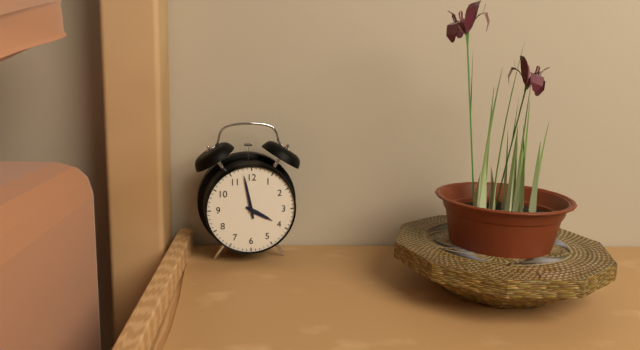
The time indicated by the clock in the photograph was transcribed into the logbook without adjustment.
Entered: 3:58
